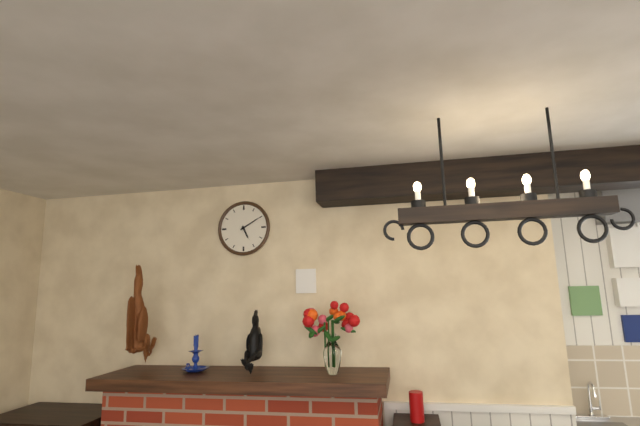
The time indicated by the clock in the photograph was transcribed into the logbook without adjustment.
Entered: 5:10
